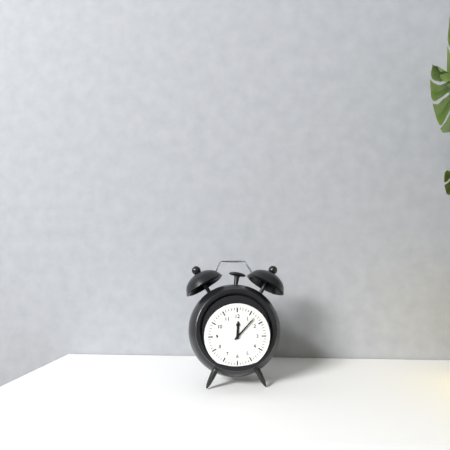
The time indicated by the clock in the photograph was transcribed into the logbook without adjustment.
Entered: 12:07
